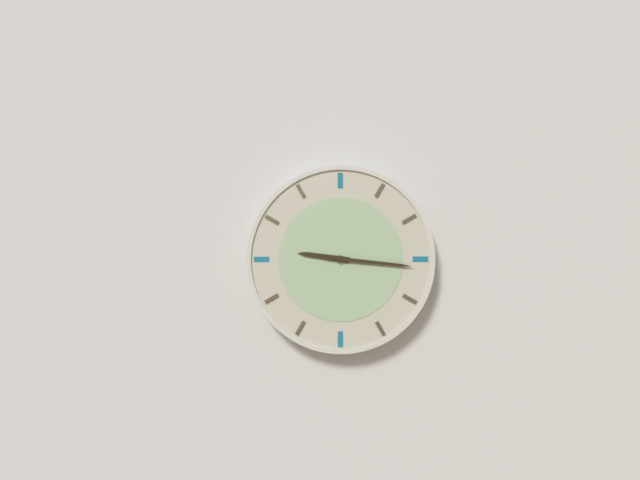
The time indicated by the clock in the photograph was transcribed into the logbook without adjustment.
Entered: 9:16
